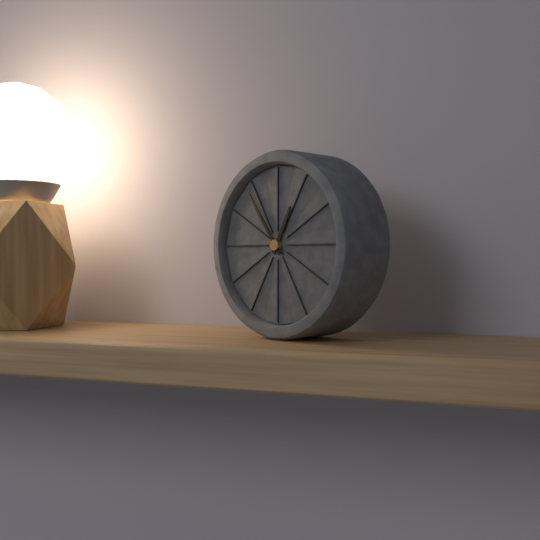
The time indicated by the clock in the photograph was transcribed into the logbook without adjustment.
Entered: 12:54
